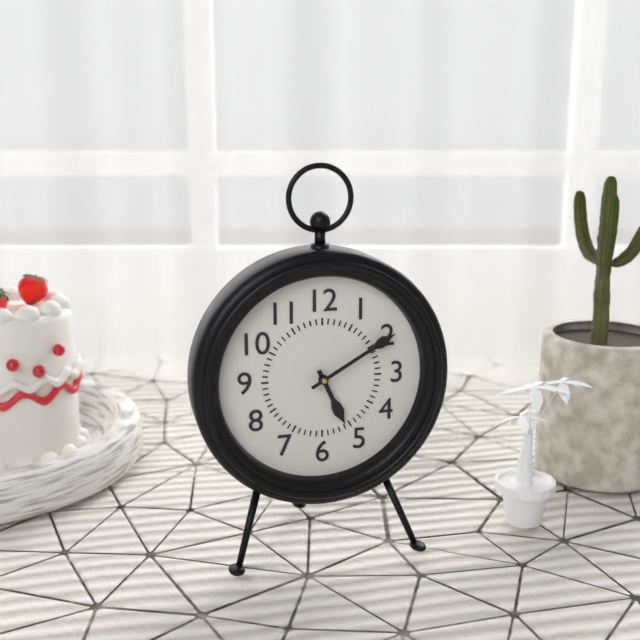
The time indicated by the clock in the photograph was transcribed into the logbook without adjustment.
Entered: 5:10
